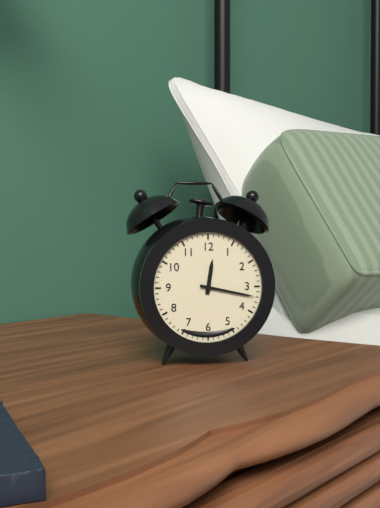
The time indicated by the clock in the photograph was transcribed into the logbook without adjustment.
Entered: 12:17
